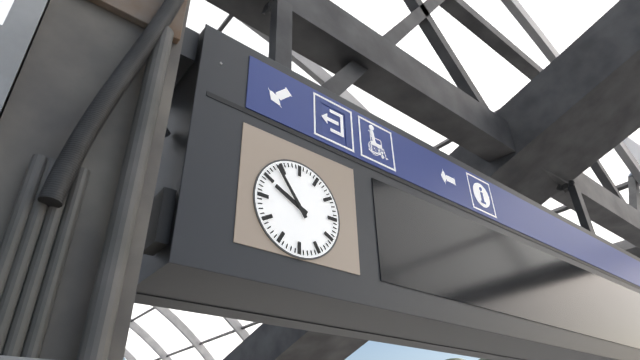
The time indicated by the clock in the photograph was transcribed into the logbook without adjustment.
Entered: 9:54
